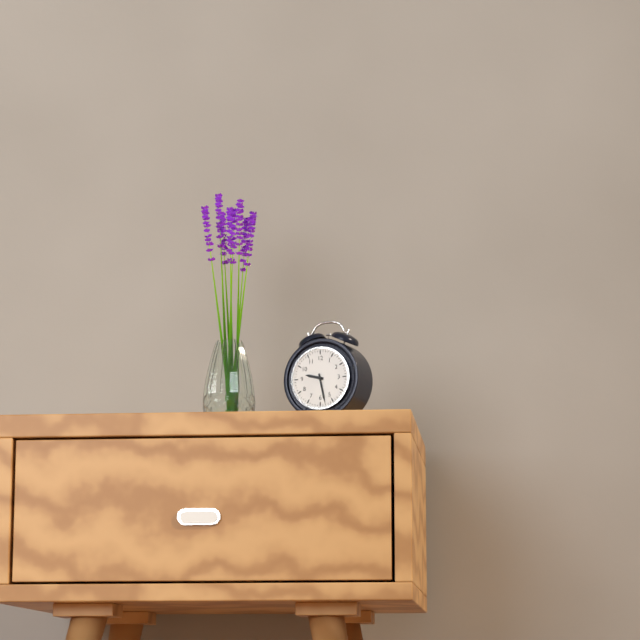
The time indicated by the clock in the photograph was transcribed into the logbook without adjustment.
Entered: 9:28
